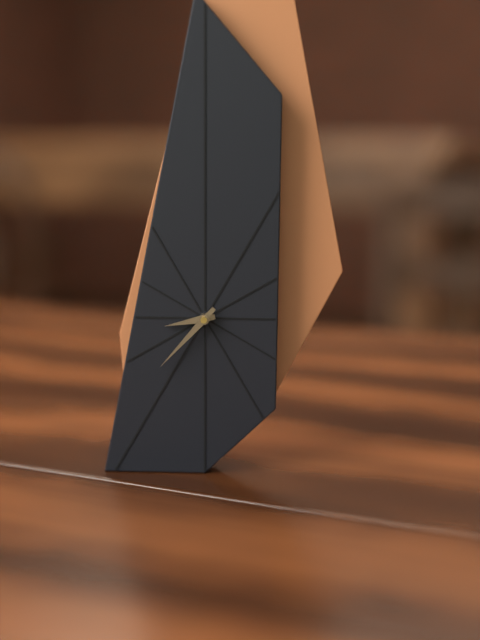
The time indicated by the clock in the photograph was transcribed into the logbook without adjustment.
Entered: 8:37
